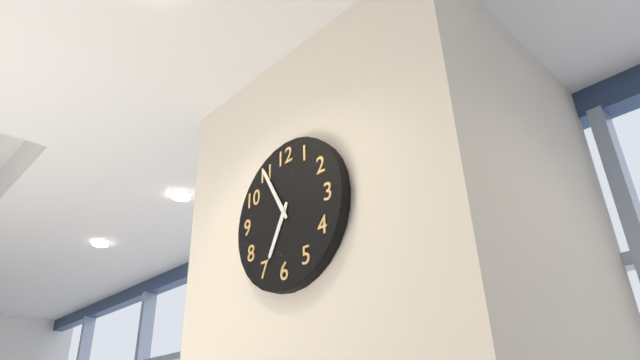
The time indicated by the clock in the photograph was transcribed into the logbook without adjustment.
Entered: 6:55
